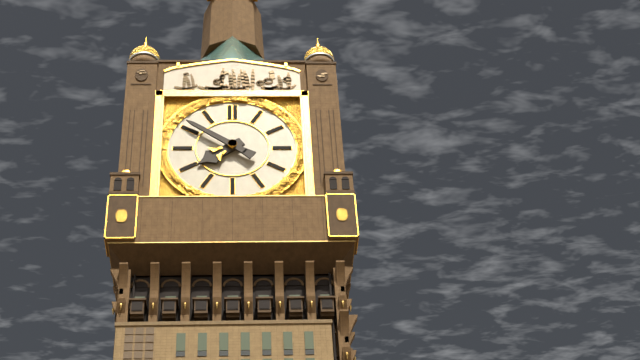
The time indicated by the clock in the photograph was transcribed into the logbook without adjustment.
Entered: 7:51
